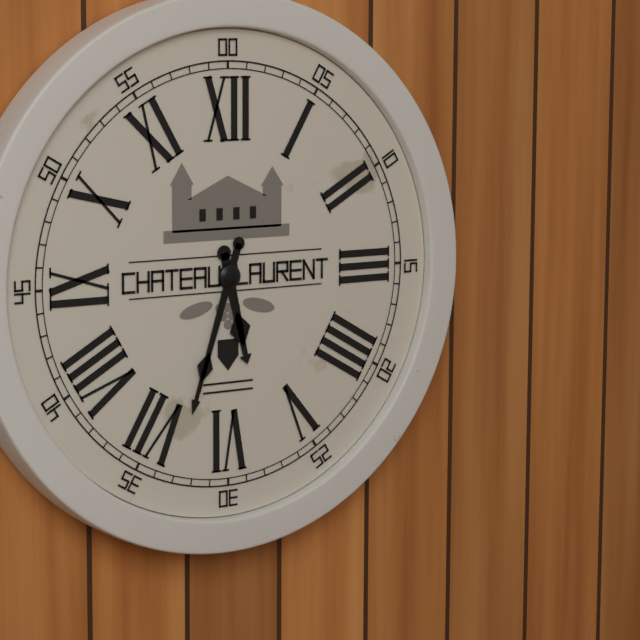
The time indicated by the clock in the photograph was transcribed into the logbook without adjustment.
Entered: 5:33
